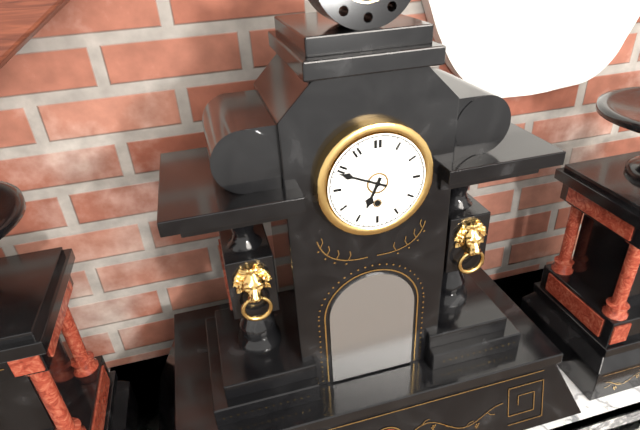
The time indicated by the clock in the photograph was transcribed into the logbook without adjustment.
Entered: 6:49
